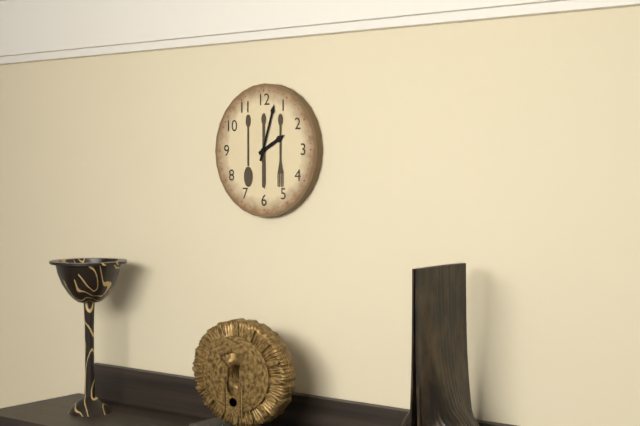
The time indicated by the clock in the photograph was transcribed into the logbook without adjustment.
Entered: 2:03
